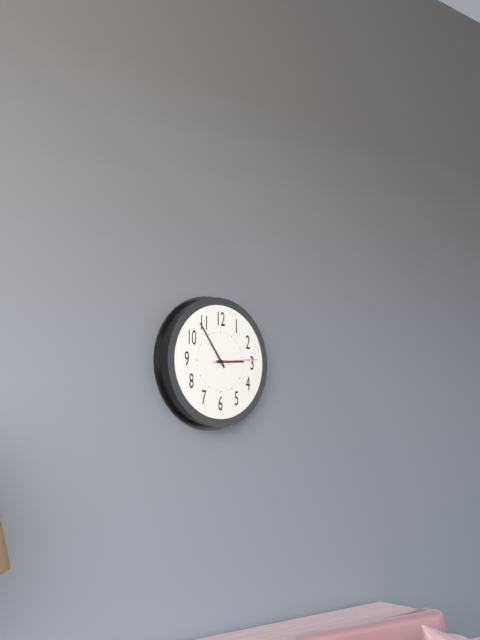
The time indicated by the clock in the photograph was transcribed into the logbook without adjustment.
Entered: 2:54
